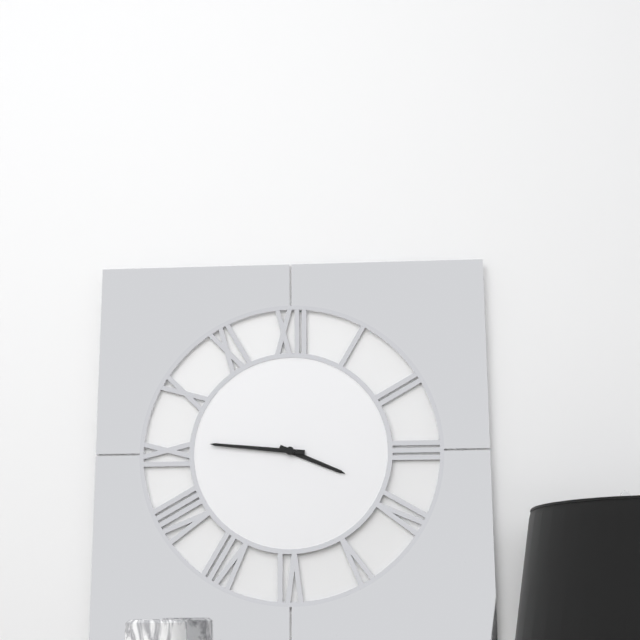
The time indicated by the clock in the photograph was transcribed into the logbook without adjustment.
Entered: 3:46
